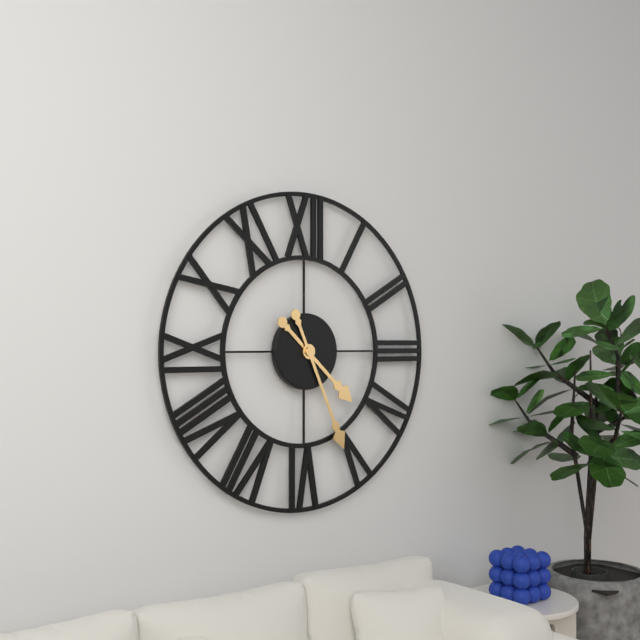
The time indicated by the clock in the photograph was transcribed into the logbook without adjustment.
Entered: 4:26
